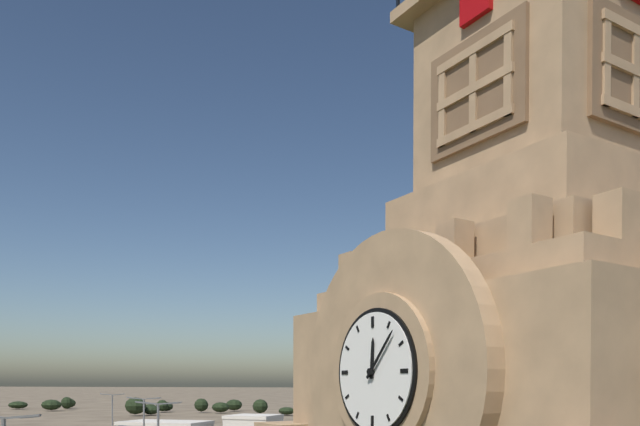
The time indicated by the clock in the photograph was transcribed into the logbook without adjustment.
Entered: 12:07
